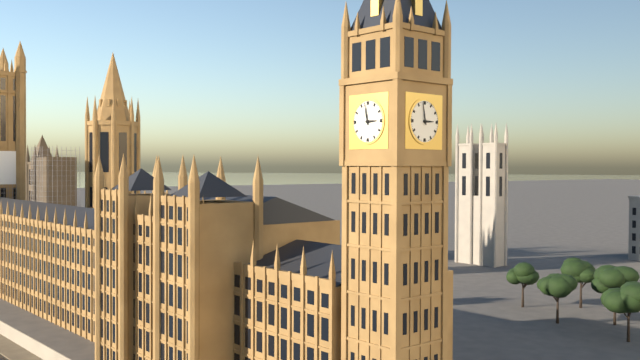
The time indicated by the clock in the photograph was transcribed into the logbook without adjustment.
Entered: 2:58
